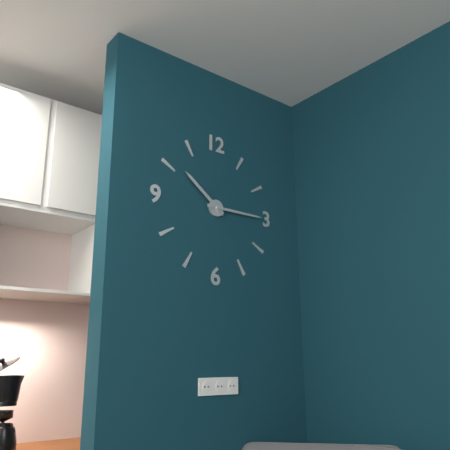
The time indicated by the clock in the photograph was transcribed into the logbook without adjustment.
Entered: 10:15
